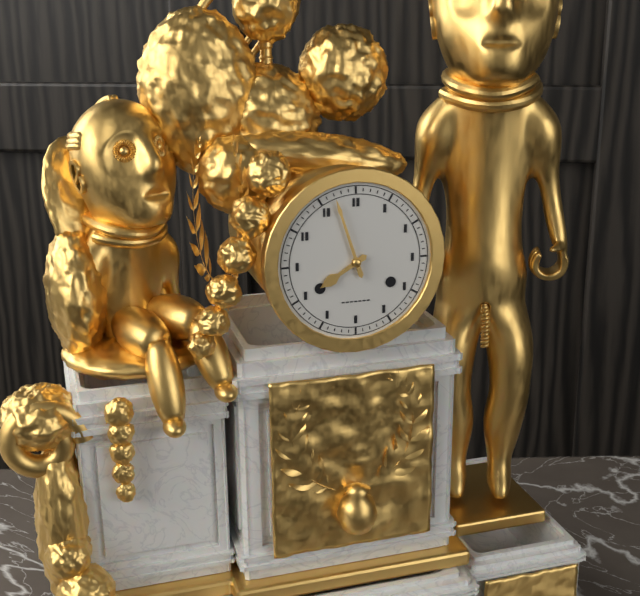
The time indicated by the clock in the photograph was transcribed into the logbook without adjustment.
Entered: 7:57
